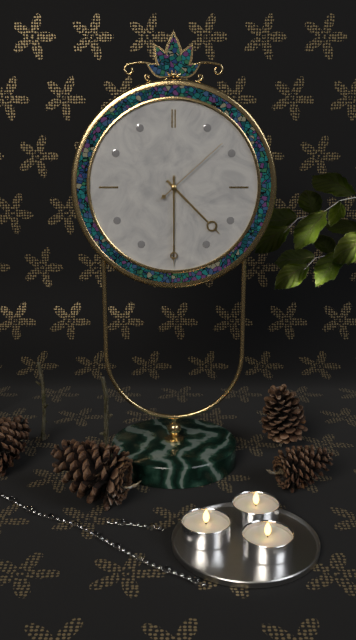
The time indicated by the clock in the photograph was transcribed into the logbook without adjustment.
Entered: 4:30:08
